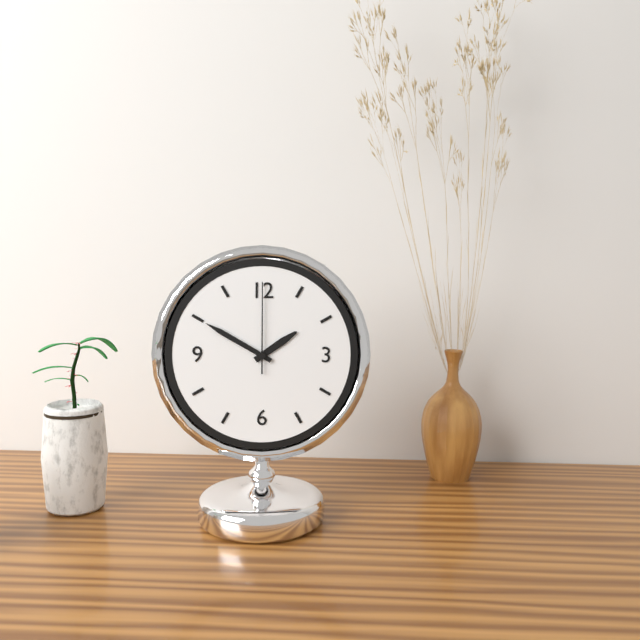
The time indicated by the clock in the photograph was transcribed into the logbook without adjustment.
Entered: 1:50:00
